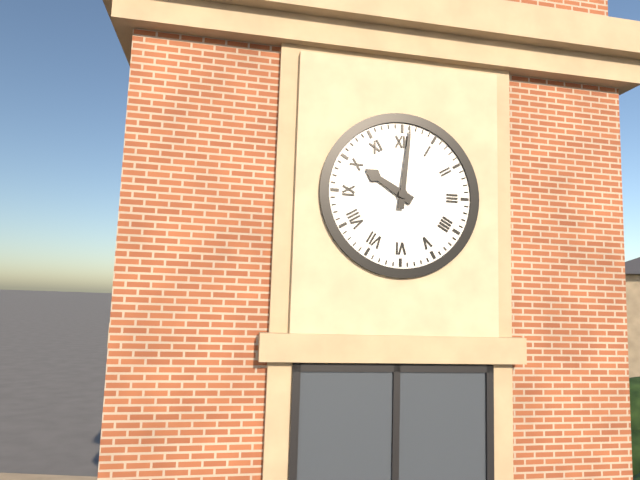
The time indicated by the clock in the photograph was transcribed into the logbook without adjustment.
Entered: 10:01
